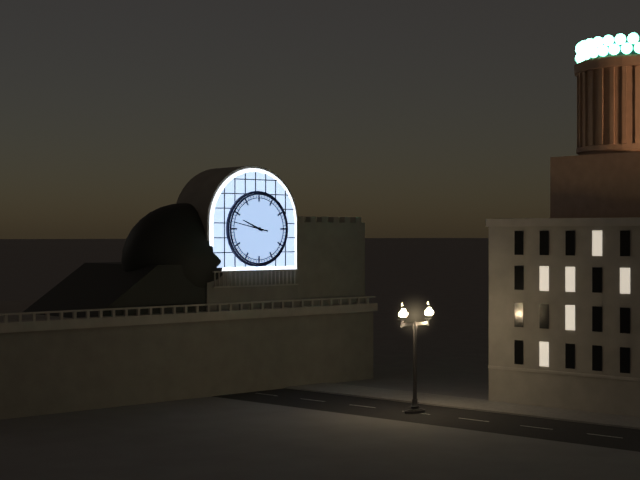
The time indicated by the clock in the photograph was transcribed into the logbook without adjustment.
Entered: 9:47
